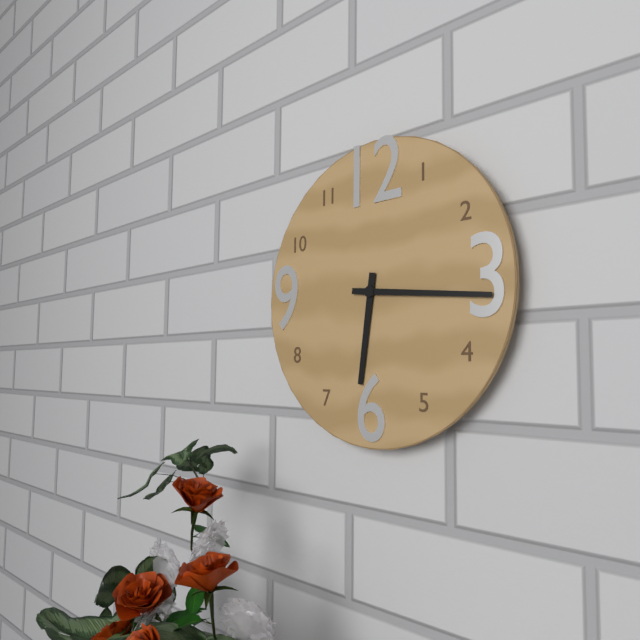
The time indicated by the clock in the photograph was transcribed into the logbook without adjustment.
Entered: 6:16
